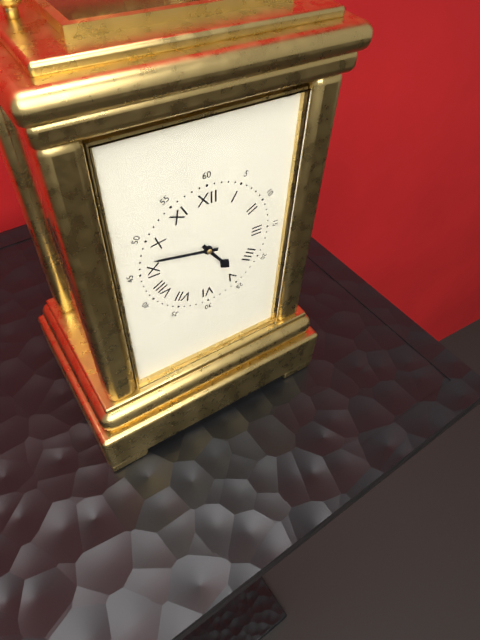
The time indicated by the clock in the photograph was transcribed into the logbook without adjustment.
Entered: 4:47
